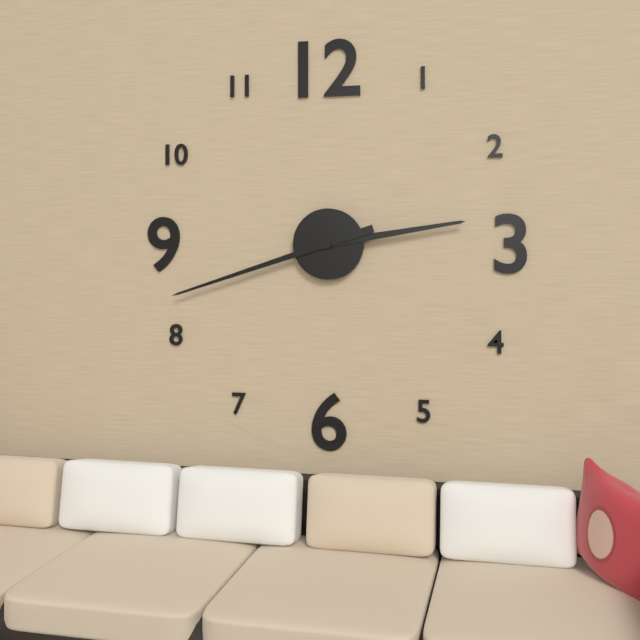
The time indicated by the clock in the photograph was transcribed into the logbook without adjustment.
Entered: 2:42
